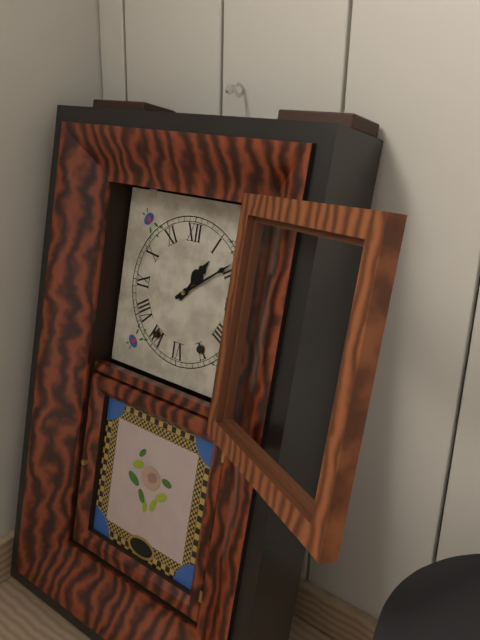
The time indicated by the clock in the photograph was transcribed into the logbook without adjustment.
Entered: 1:09
